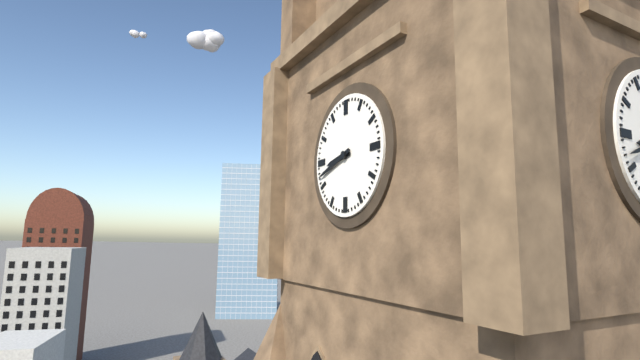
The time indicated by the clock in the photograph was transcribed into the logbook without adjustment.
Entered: 8:42
